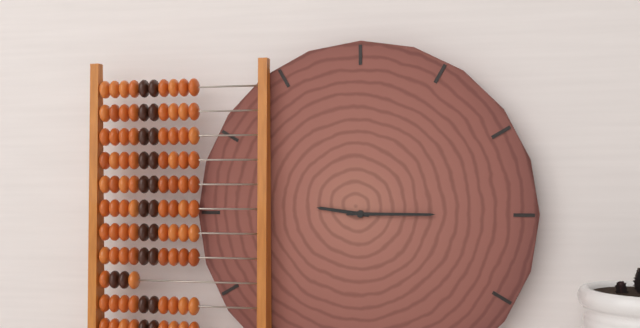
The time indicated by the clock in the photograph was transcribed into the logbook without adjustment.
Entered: 9:15
